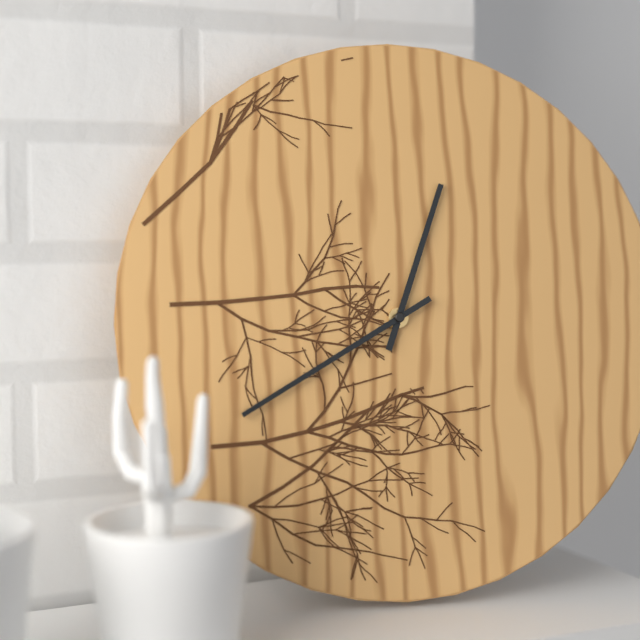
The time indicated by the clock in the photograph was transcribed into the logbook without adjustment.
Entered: 12:40
